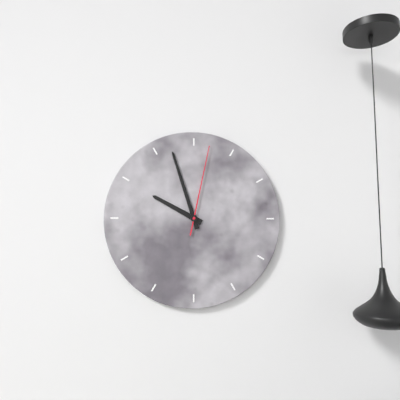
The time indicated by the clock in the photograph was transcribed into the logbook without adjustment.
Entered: 9:57:02
